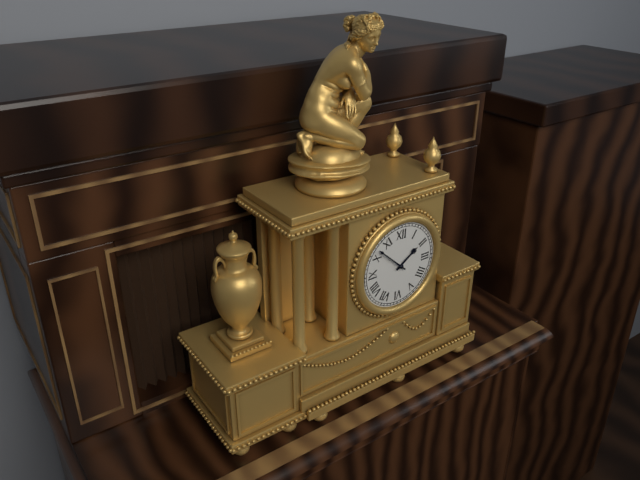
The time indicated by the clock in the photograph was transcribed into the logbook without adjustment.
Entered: 1:52
